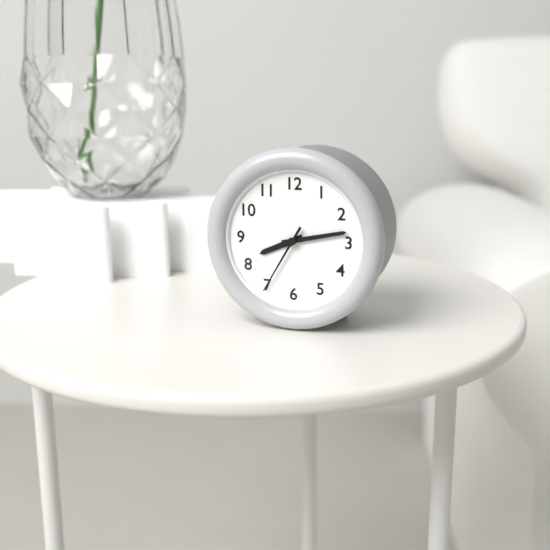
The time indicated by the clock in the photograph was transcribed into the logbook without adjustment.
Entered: 8:13:35
